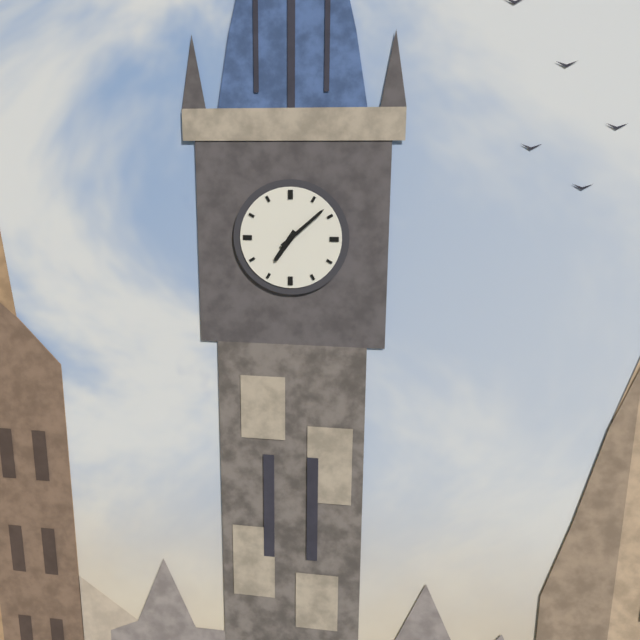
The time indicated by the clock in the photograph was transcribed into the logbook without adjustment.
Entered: 7:08
